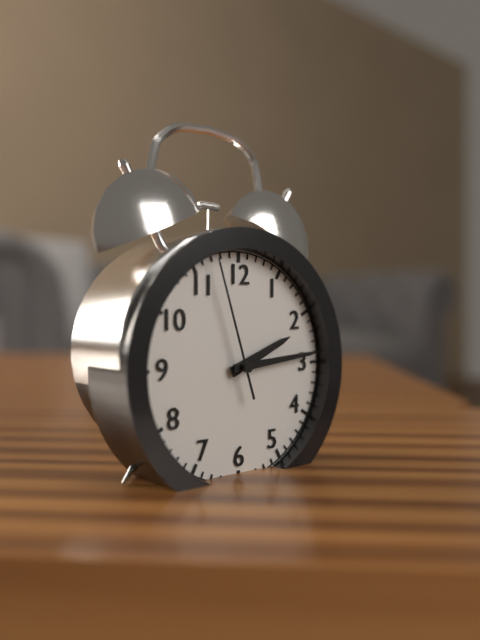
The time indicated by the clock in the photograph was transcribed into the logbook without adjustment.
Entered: 2:14:57
